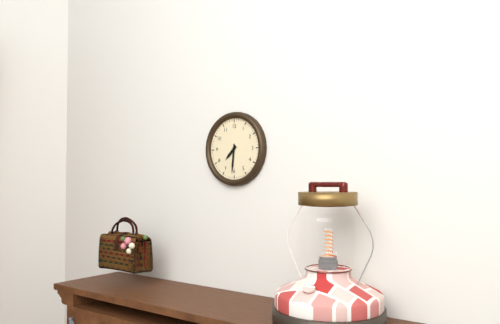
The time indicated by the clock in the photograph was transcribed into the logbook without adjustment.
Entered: 7:31
